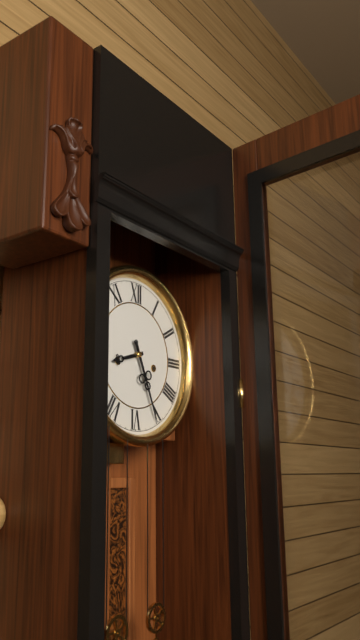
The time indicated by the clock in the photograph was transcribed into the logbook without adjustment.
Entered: 8:26
